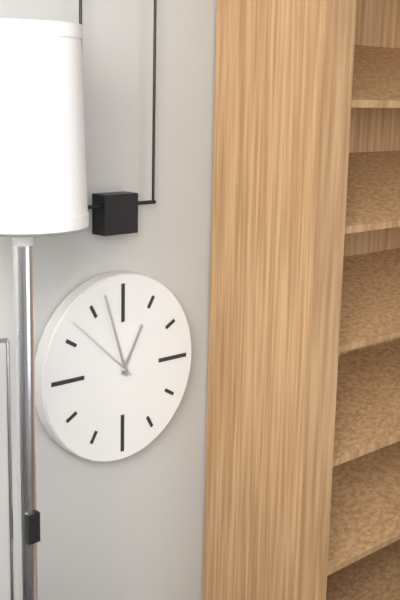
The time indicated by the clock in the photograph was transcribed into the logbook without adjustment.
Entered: 12:57:52
